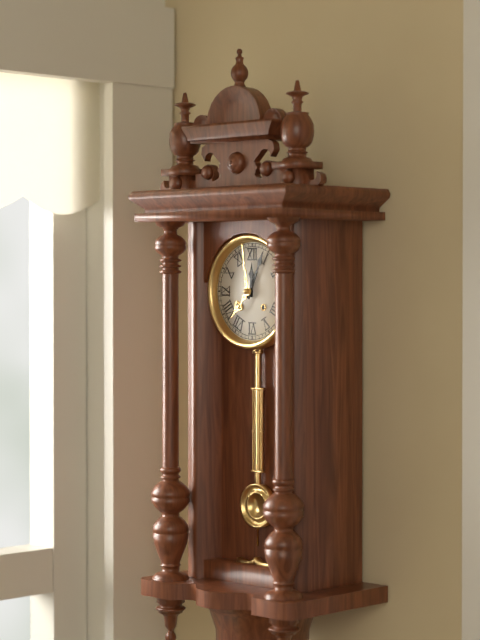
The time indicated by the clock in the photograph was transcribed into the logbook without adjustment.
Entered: 12:04
